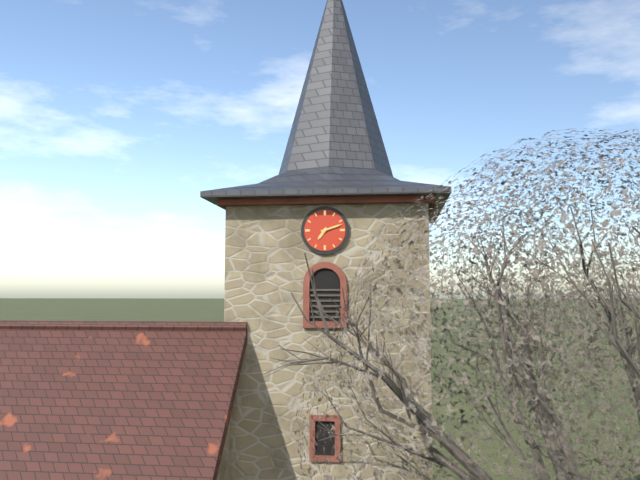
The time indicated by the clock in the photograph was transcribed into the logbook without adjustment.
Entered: 7:12
